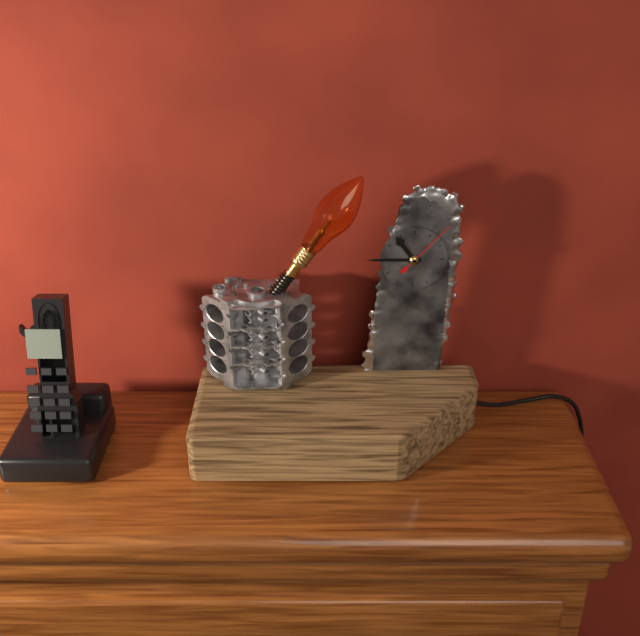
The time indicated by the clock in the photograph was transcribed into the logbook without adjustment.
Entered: 10:45:07
